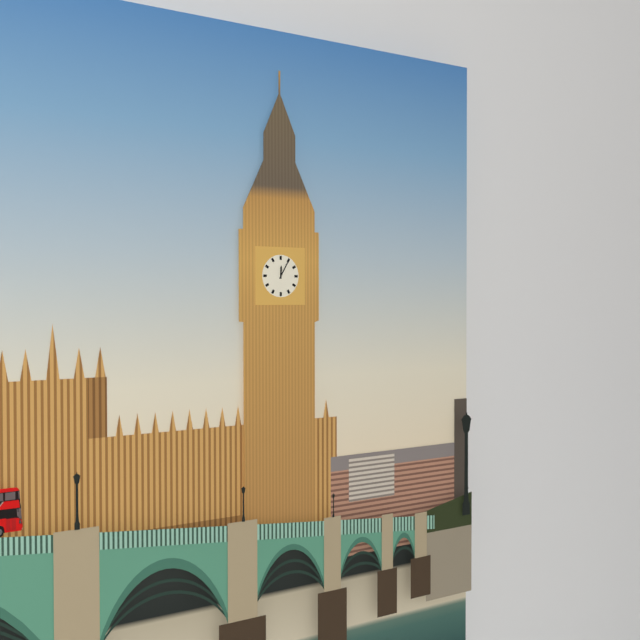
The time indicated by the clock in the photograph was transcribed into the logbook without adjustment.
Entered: 12:05
